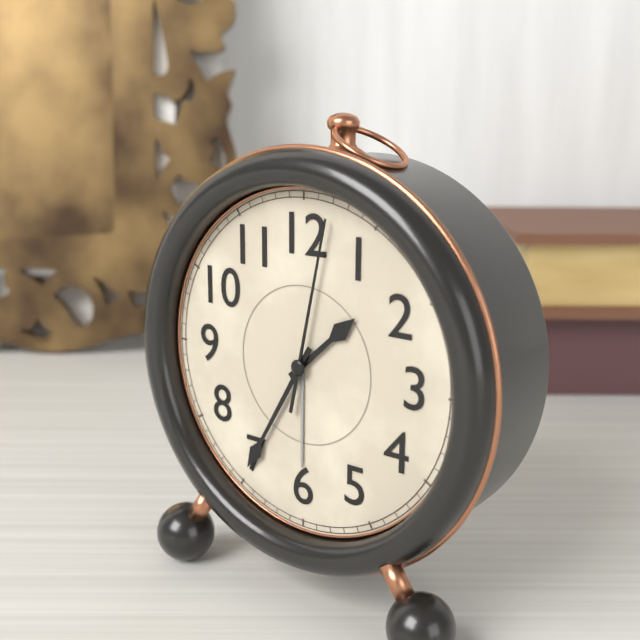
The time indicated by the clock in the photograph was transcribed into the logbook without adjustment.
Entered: 1:35:02
